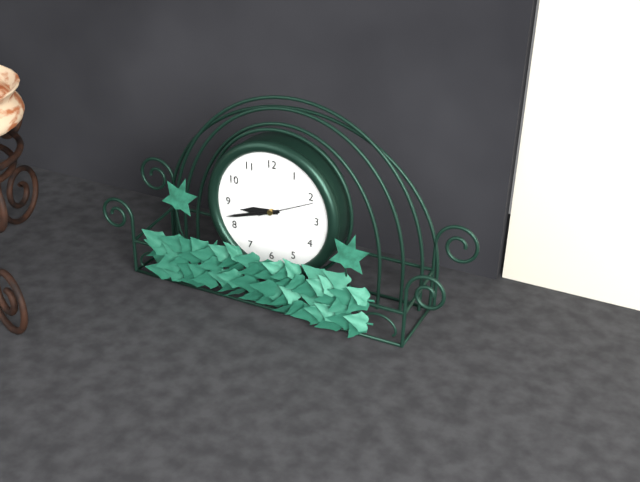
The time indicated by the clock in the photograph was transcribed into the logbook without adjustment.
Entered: 8:42:11
